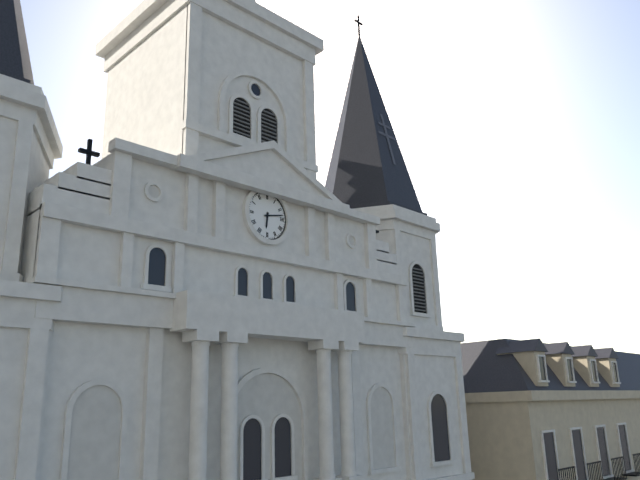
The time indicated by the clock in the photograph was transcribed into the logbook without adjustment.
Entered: 6:13
